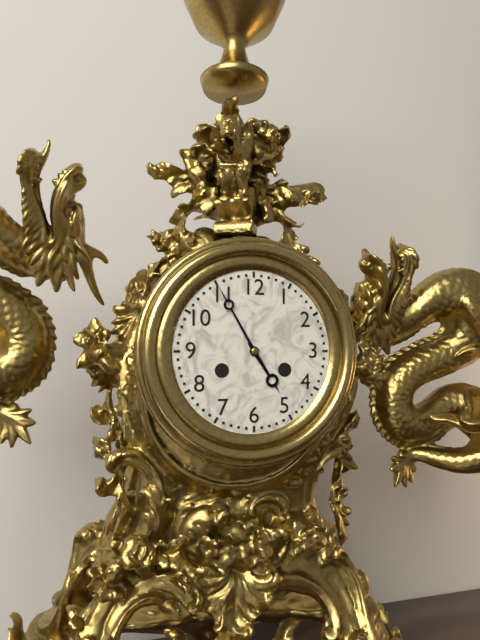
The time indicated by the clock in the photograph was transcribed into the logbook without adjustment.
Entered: 4:55
